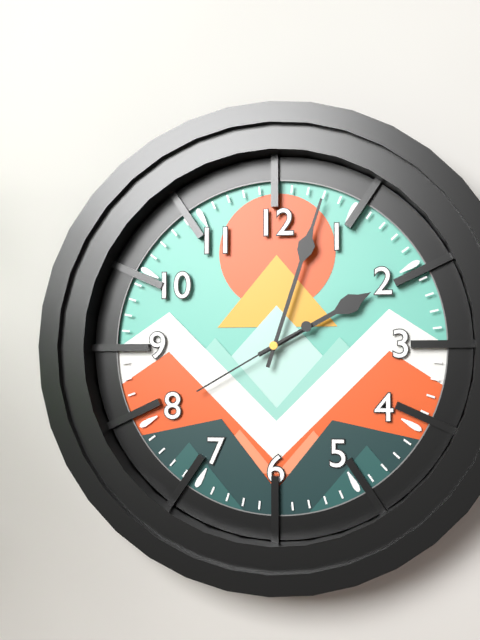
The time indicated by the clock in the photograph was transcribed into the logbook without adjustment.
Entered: 2:03:40
